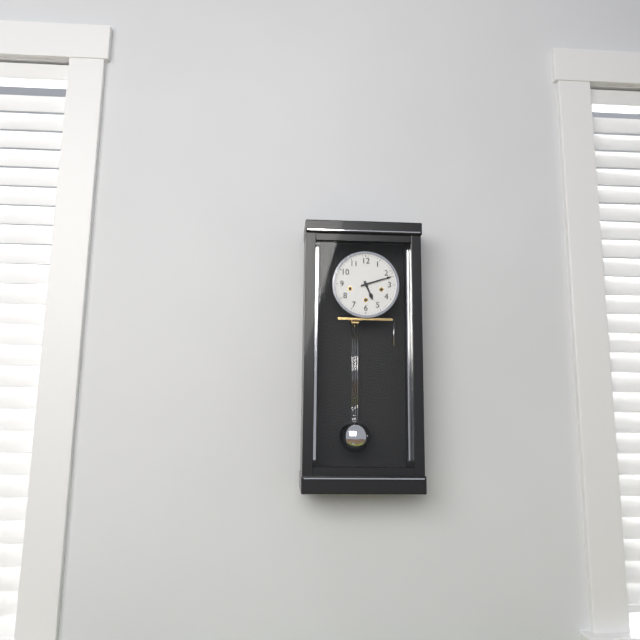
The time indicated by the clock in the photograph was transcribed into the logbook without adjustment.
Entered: 5:12
